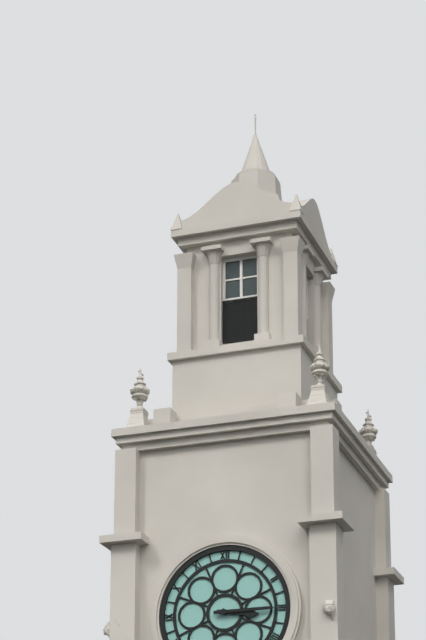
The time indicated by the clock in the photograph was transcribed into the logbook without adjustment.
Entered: 3:15
